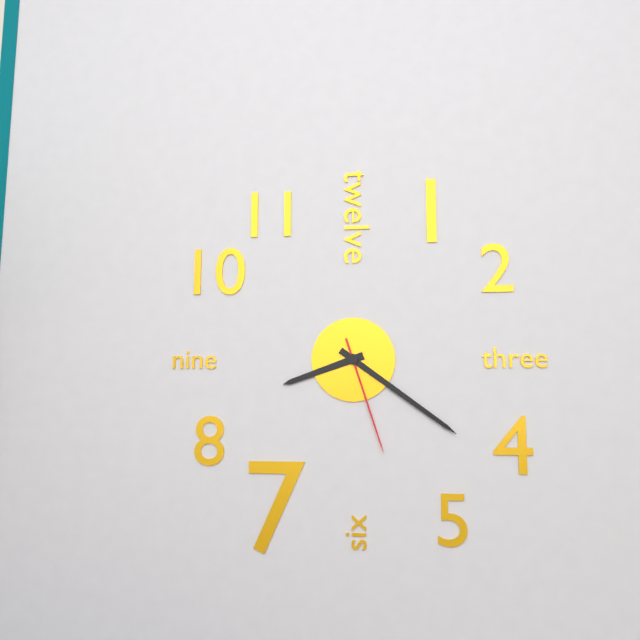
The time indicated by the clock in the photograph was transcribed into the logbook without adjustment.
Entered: 8:21:27
